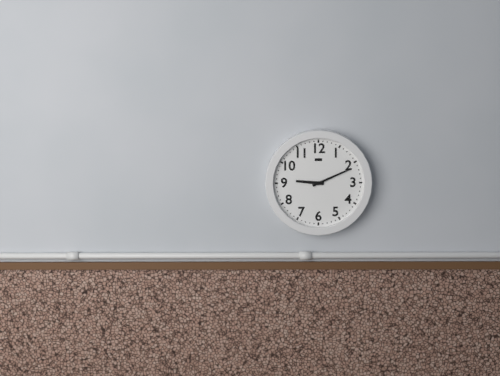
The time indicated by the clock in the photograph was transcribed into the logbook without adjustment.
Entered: 9:11
